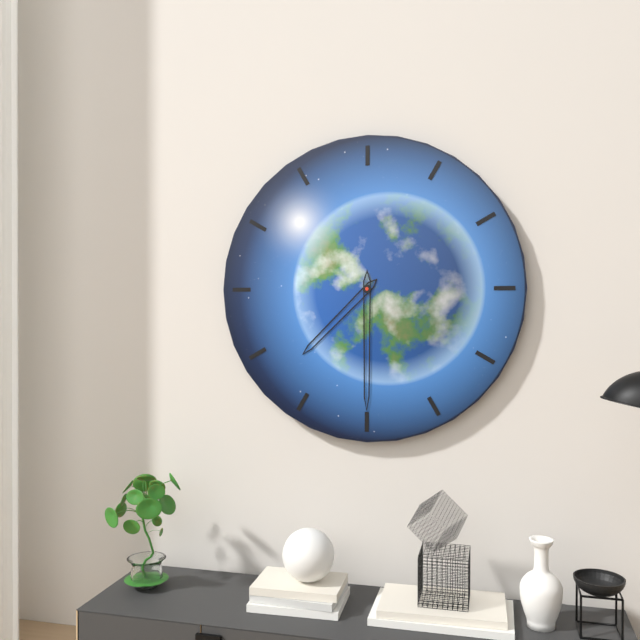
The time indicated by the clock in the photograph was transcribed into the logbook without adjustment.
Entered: 7:30
